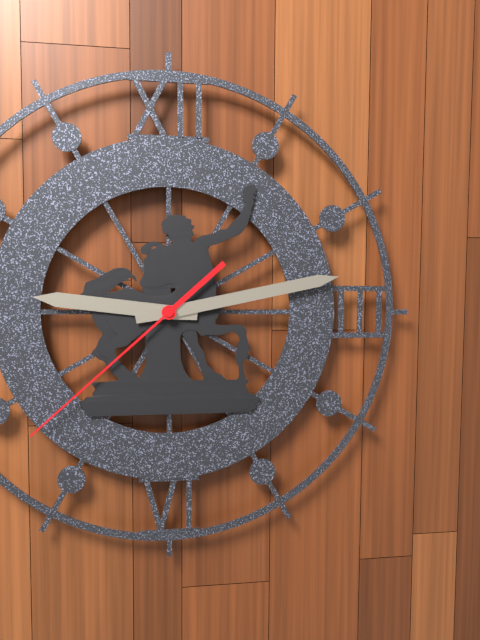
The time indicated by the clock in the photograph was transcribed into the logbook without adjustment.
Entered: 9:13:38
